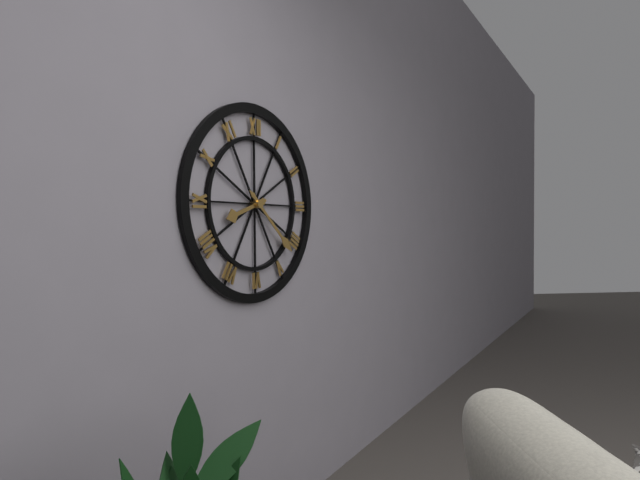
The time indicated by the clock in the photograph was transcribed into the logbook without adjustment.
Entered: 8:22
